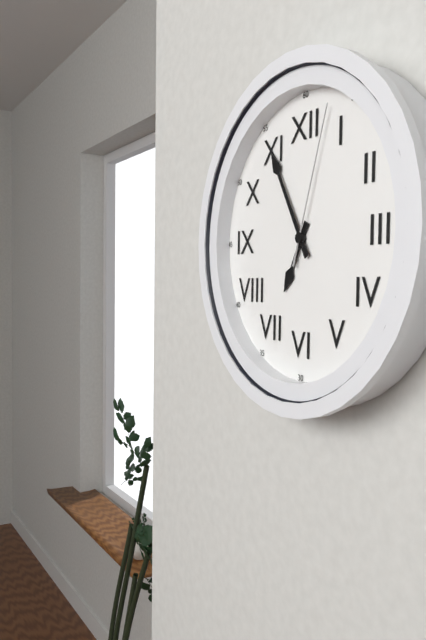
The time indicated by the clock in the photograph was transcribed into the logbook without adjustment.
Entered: 6:55:03
